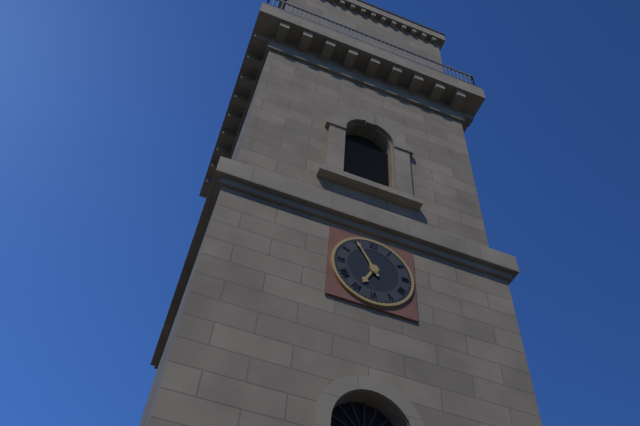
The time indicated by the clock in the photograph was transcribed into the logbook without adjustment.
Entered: 6:55
